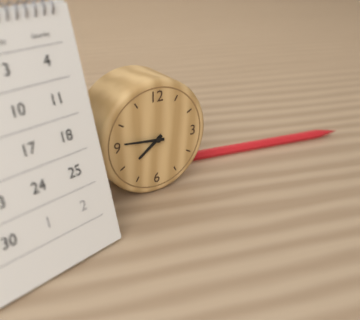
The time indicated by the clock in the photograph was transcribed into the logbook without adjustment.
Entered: 7:46
